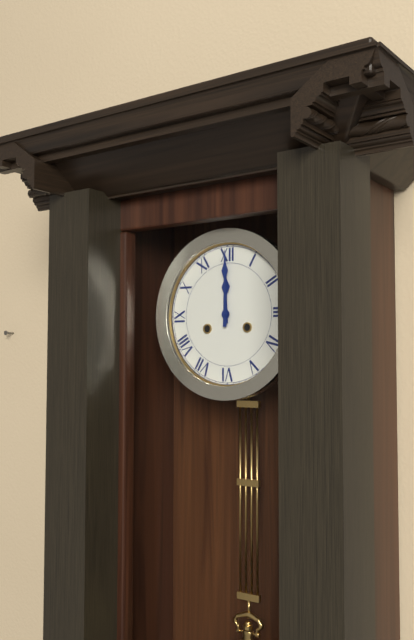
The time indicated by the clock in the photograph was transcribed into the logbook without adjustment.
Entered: 12:00
